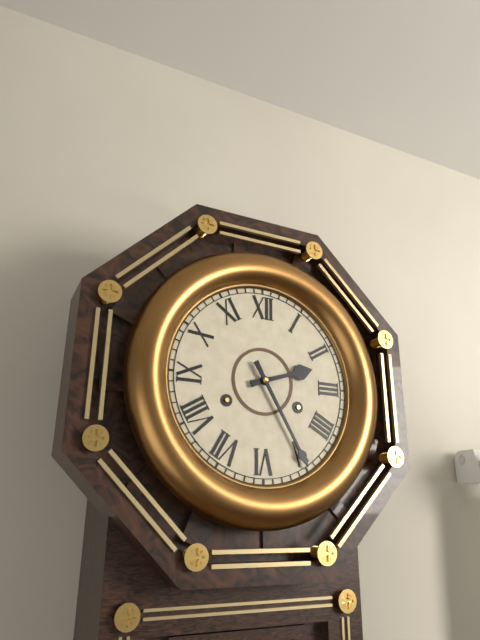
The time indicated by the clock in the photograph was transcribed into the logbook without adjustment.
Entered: 2:25
